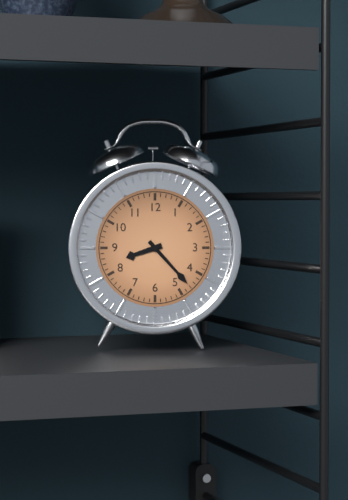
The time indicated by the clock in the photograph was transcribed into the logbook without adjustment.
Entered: 8:23
